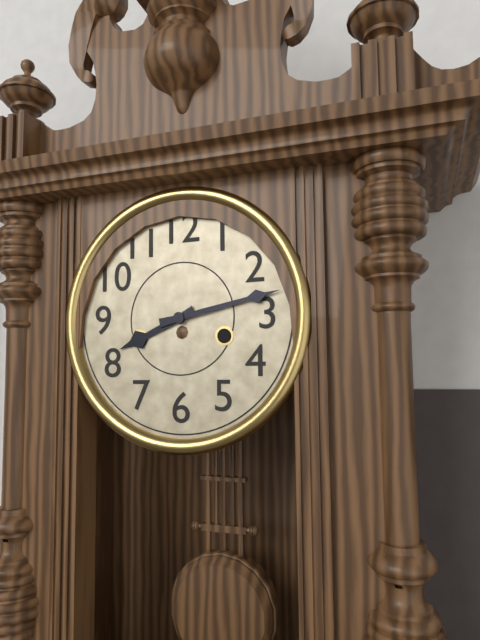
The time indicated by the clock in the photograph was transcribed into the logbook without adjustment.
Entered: 8:13
